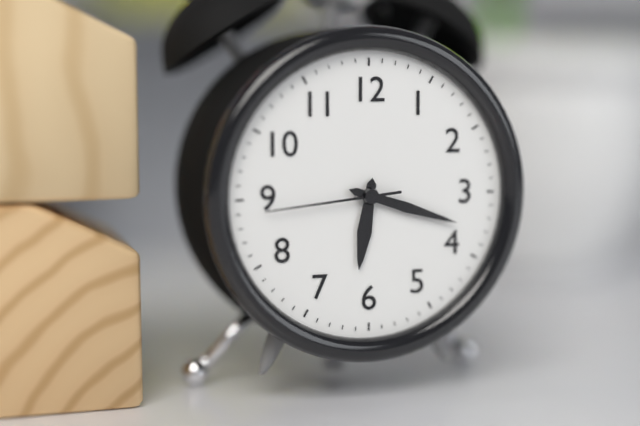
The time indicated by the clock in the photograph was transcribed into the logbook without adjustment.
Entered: 6:18:44
